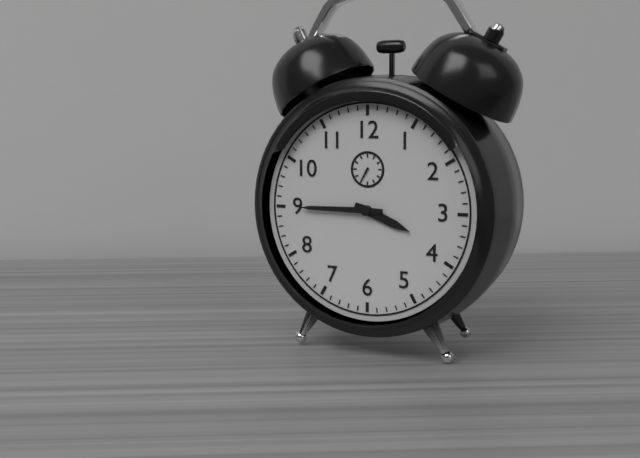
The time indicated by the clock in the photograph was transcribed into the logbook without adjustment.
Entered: 3:45
